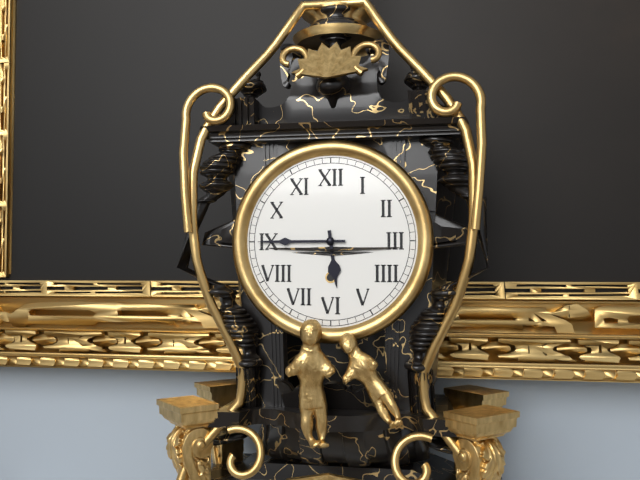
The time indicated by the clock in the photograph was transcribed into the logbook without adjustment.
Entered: 5:45
